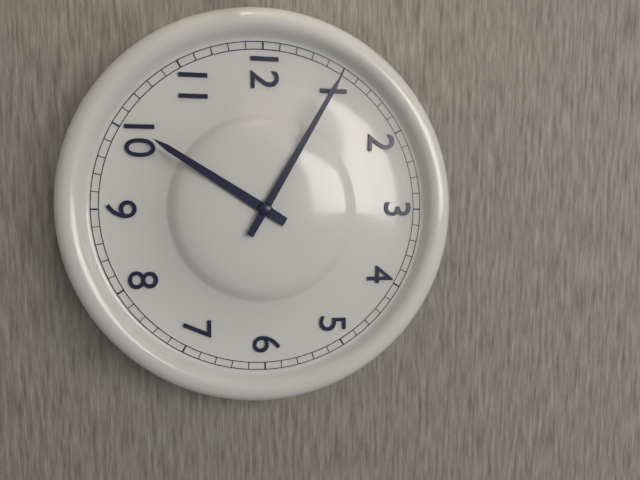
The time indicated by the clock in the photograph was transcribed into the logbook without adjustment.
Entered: 10:05
